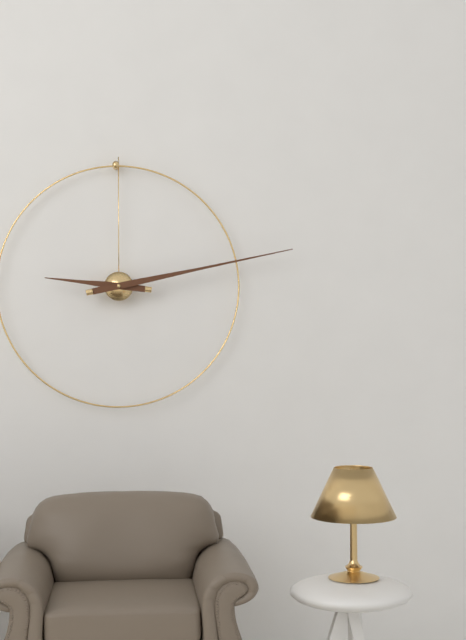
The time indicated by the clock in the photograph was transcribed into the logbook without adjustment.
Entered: 9:13
